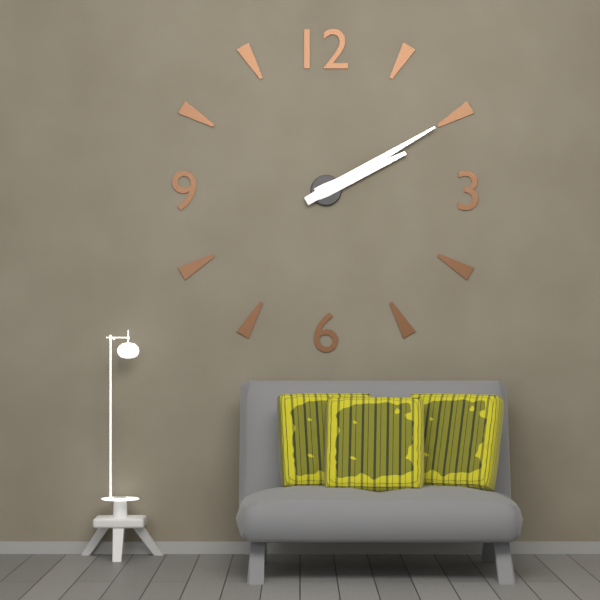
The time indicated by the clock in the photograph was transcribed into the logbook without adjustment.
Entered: 2:10
